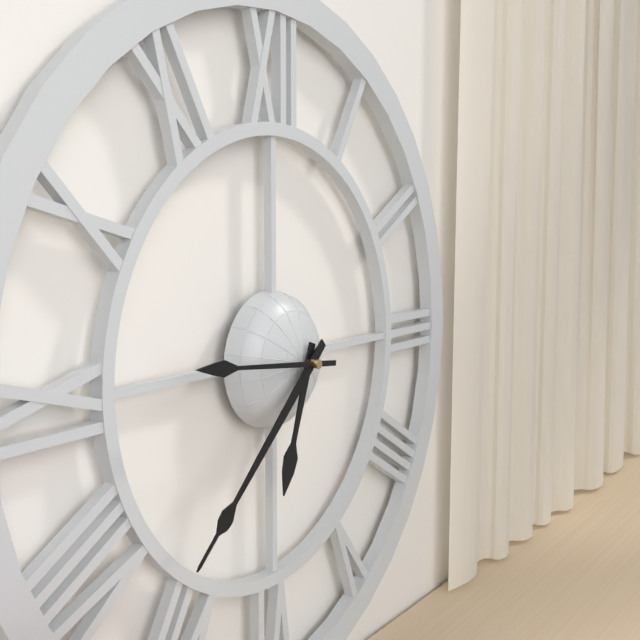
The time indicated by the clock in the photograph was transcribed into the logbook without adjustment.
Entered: 6:38:46
